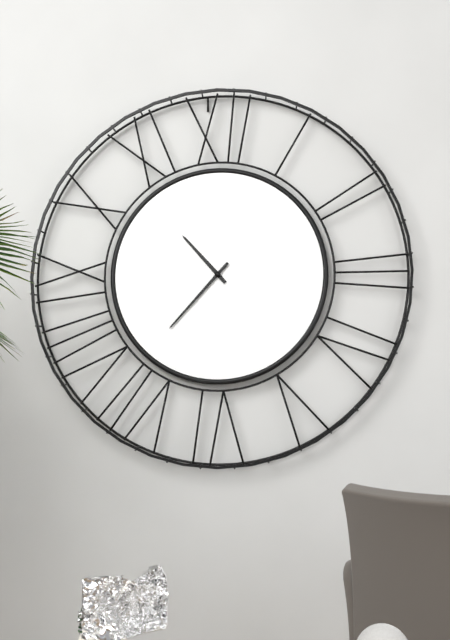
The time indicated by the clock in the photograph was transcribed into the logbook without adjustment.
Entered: 10:37
